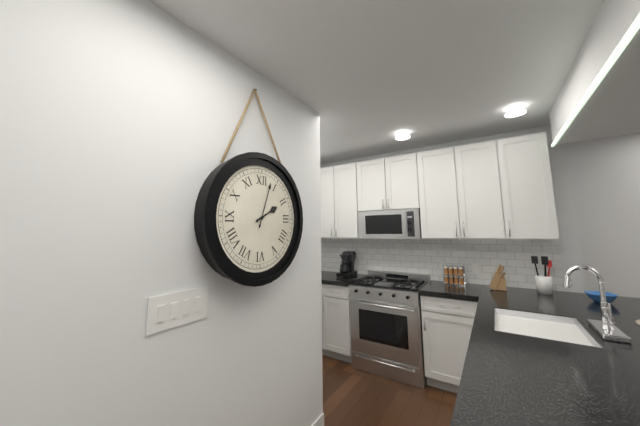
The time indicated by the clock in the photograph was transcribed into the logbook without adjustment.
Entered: 2:03
